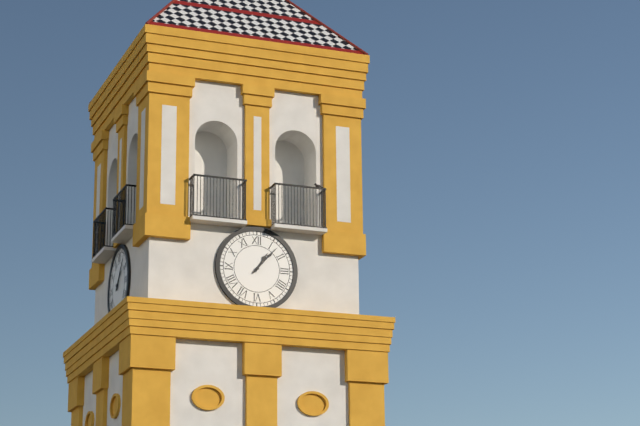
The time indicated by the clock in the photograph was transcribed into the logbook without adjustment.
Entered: 1:07
